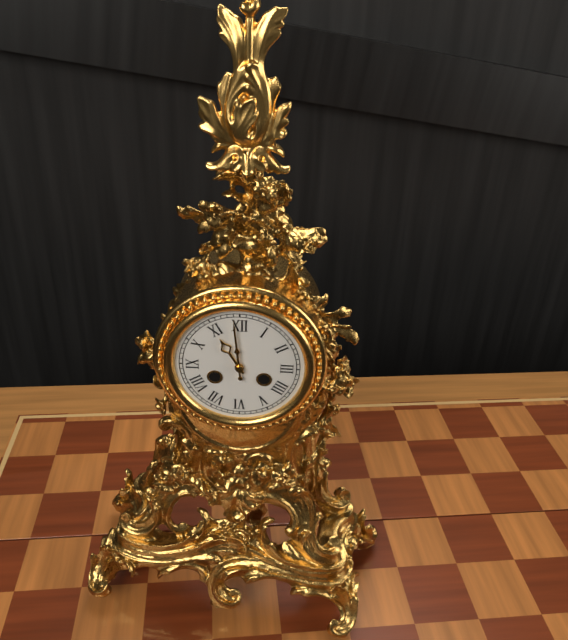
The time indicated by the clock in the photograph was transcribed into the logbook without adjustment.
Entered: 10:59
